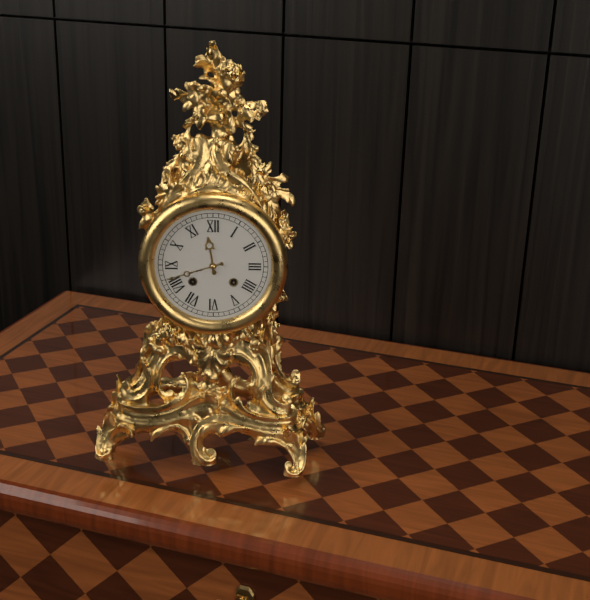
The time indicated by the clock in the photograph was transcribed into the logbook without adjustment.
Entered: 11:42
